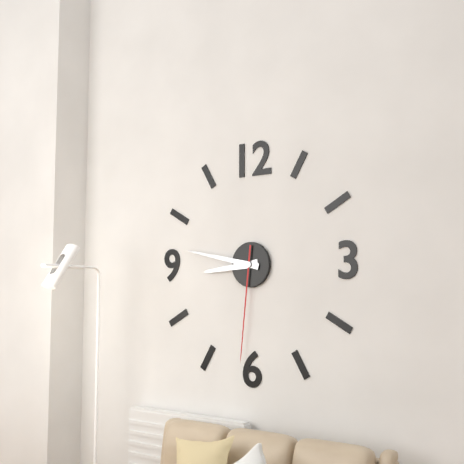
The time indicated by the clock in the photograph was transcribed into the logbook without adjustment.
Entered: 8:47:31
